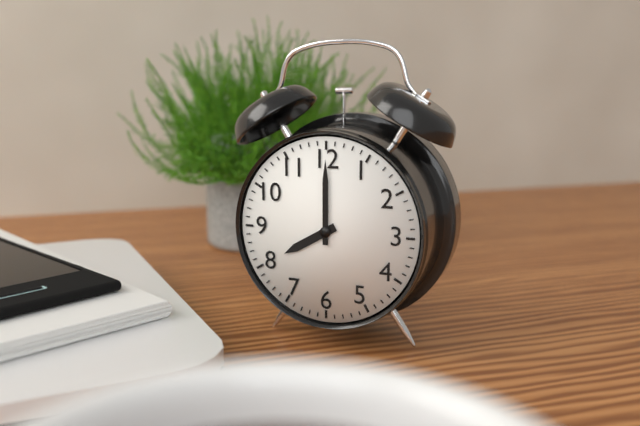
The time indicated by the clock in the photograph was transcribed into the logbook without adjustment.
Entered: 8:00
